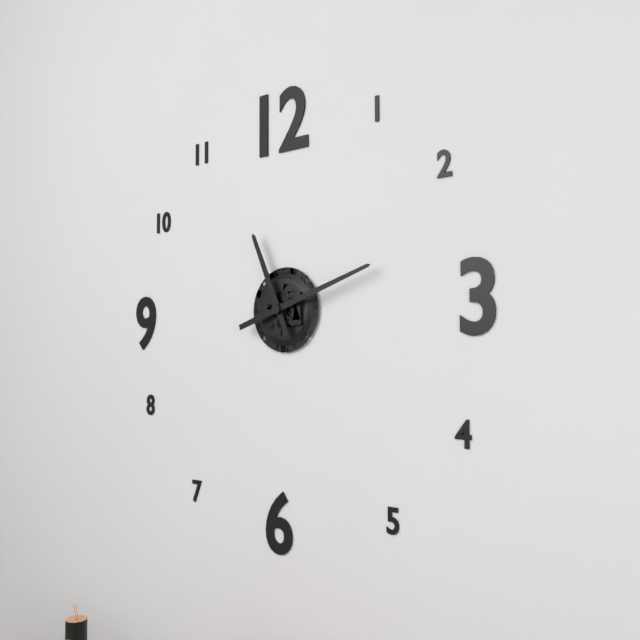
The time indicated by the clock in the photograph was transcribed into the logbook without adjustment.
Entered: 11:12
